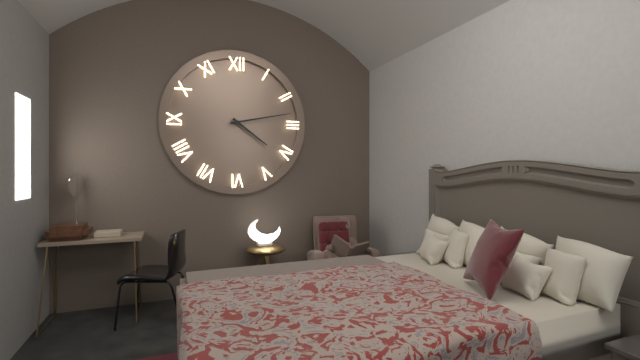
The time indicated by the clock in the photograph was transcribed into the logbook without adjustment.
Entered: 4:13
